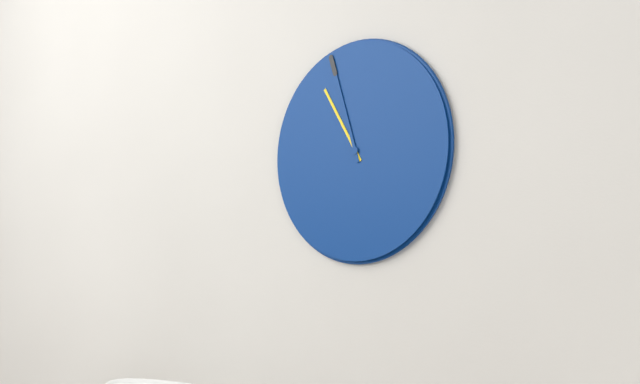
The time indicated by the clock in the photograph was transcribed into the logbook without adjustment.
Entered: 10:57
